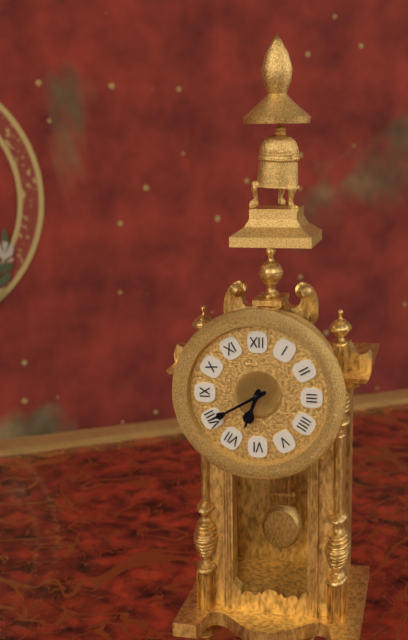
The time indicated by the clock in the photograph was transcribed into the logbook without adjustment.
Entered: 6:40
